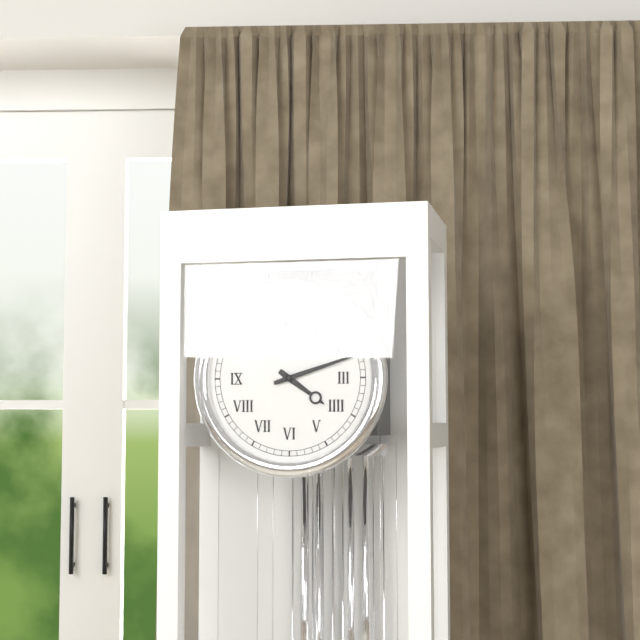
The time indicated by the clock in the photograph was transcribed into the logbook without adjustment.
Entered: 4:12
